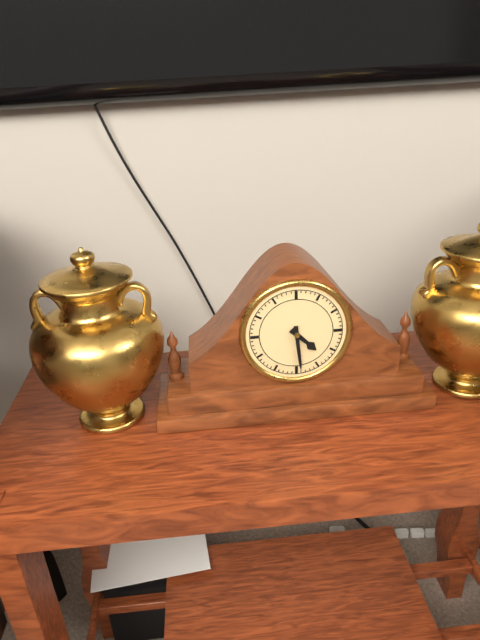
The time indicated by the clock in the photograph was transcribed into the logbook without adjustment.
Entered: 4:29
